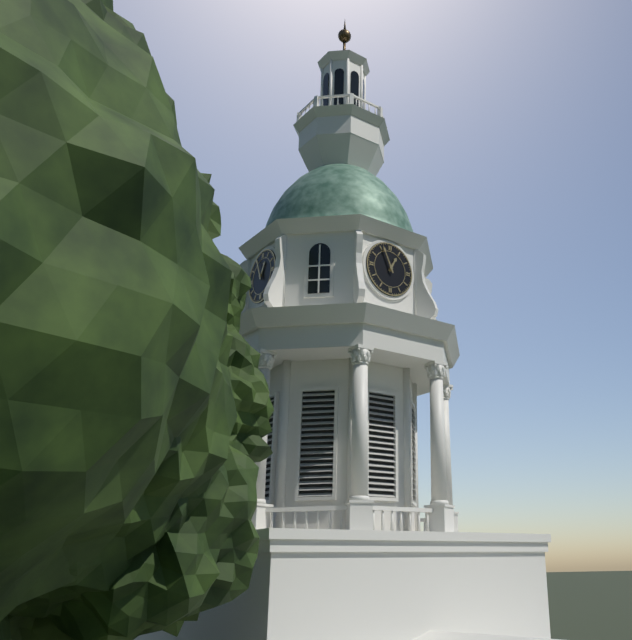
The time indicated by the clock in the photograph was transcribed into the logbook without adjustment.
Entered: 12:56
